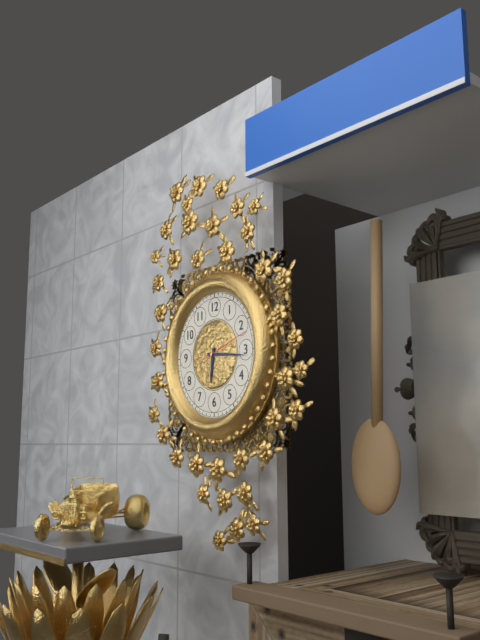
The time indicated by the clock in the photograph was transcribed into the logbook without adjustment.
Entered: 6:16:12
